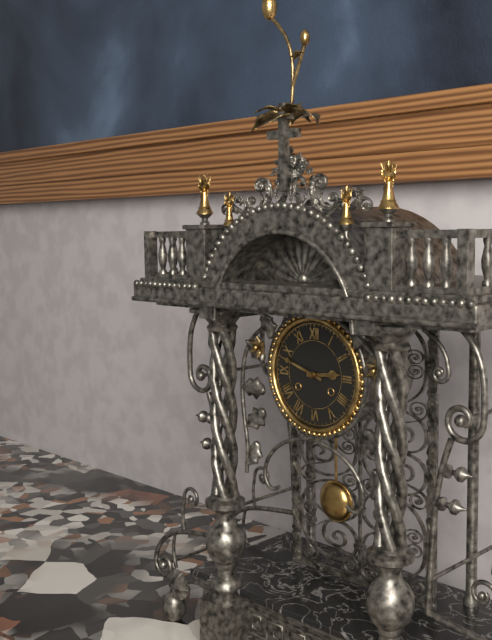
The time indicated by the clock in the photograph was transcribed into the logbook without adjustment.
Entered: 2:48
